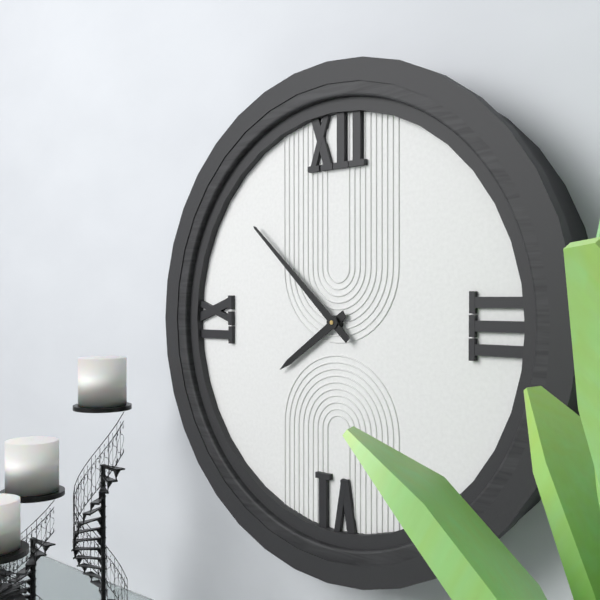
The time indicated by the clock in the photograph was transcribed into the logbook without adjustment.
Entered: 7:52
